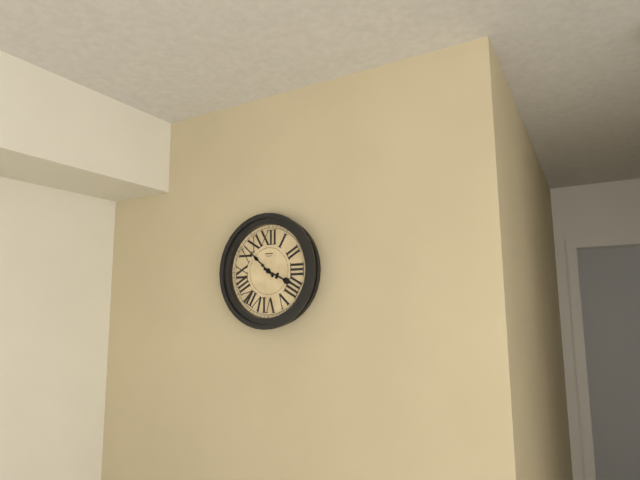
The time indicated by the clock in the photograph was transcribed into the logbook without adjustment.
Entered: 3:52
